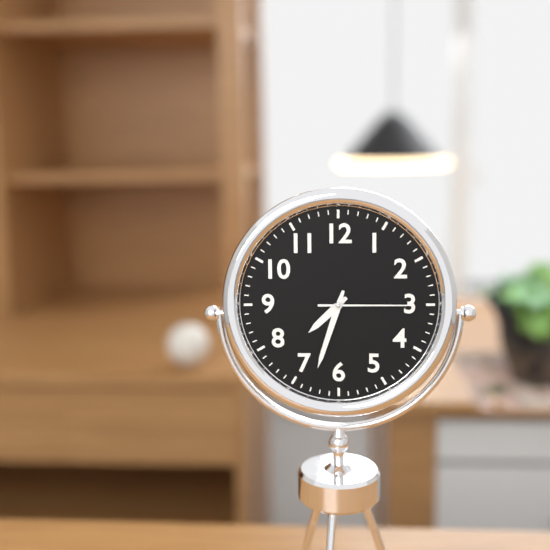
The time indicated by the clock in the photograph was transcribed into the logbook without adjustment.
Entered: 7:33:15
